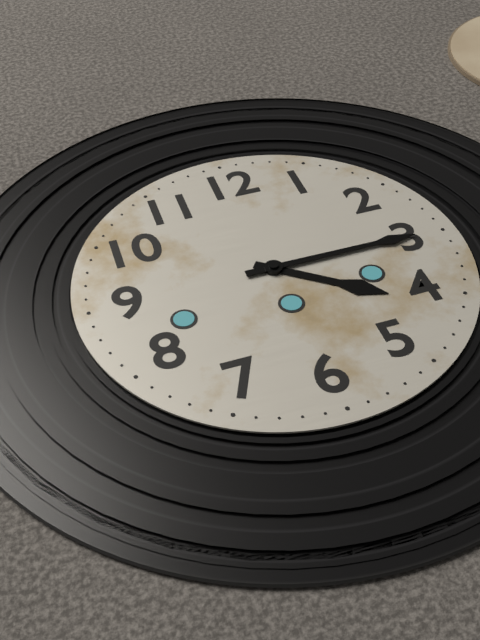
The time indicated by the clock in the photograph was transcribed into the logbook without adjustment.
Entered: 4:15
